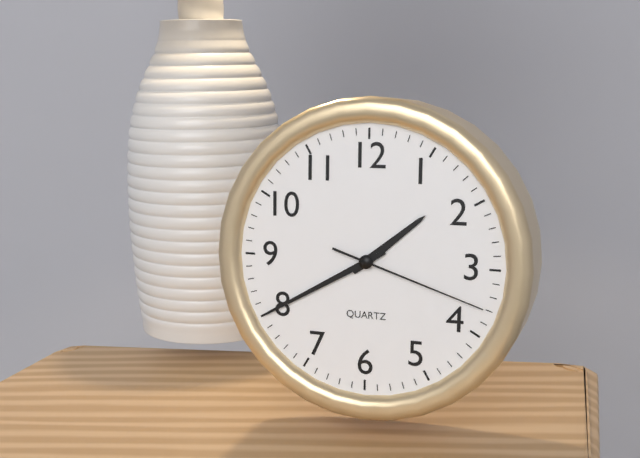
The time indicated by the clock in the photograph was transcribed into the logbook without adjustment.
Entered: 1:40:18
